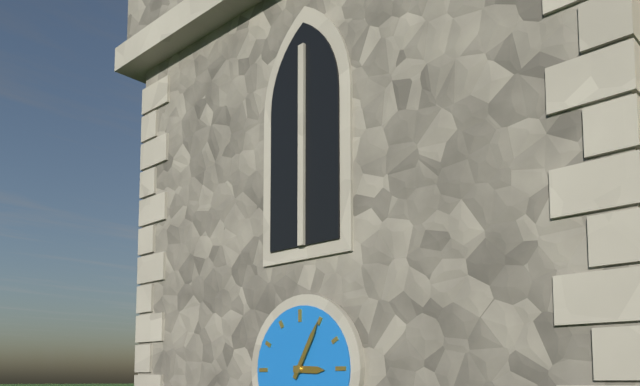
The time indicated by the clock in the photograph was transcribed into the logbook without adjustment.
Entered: 3:05
